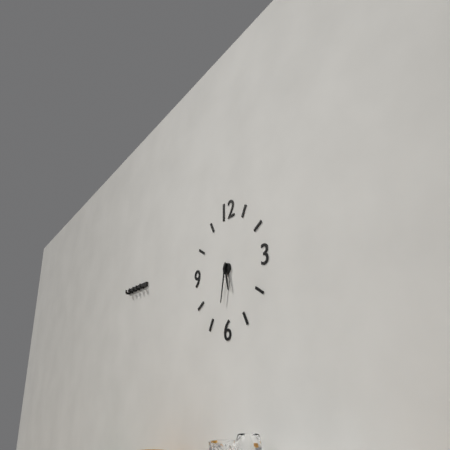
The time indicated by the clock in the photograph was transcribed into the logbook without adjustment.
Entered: 5:32
